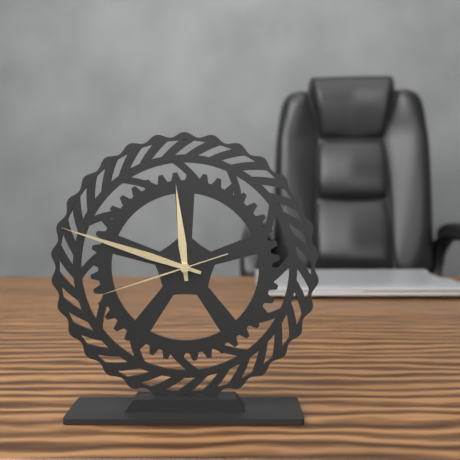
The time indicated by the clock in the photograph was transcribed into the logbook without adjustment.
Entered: 11:48:42
